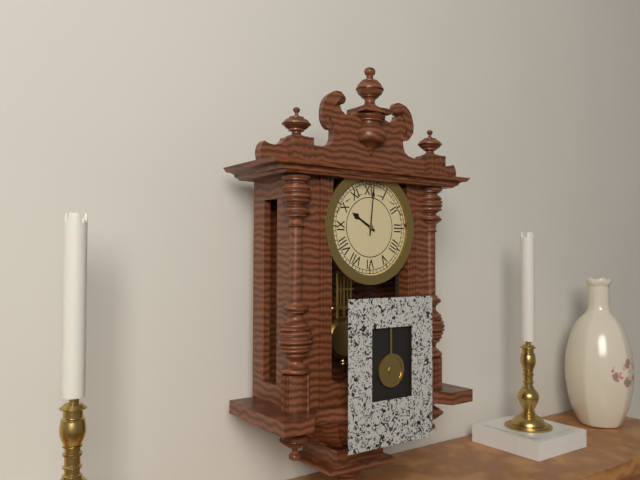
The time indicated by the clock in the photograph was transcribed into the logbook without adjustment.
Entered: 10:01
